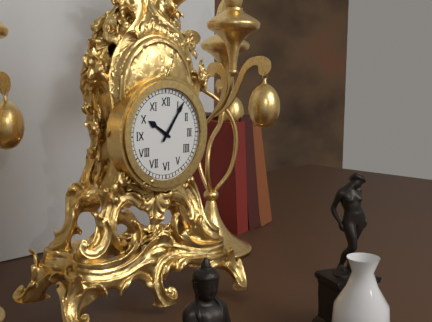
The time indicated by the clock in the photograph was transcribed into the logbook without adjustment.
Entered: 10:06
